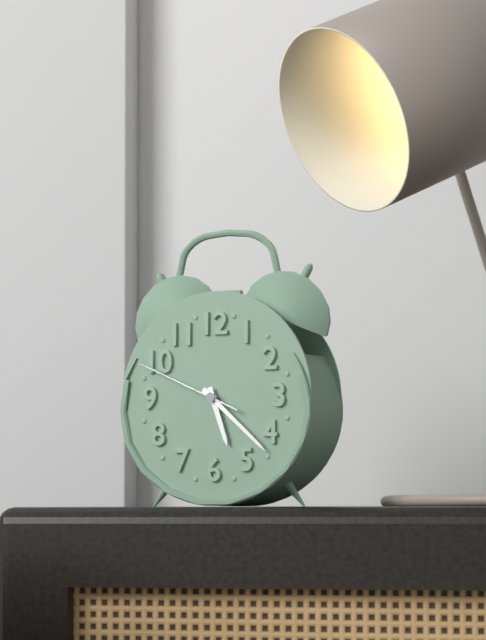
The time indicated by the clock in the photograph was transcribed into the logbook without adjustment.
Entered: 5:22:49
